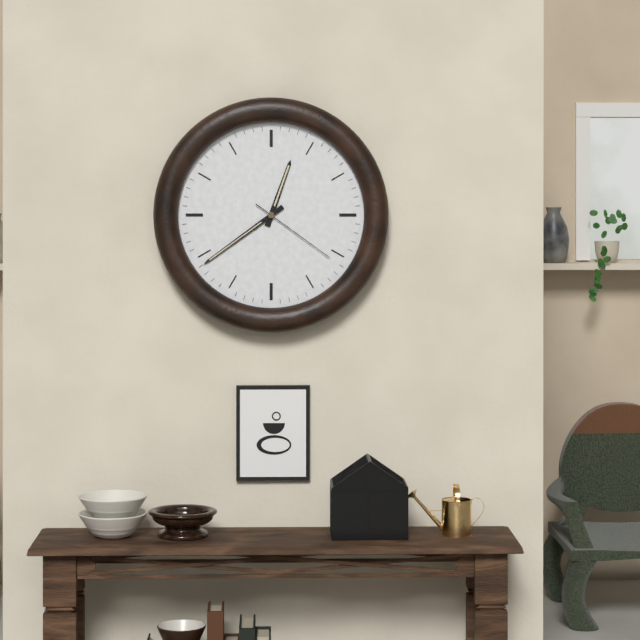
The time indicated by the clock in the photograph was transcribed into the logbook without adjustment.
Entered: 12:39:21
